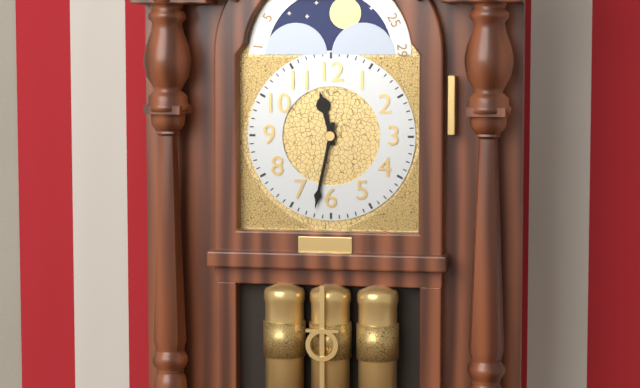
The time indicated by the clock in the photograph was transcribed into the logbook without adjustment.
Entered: 11:32
